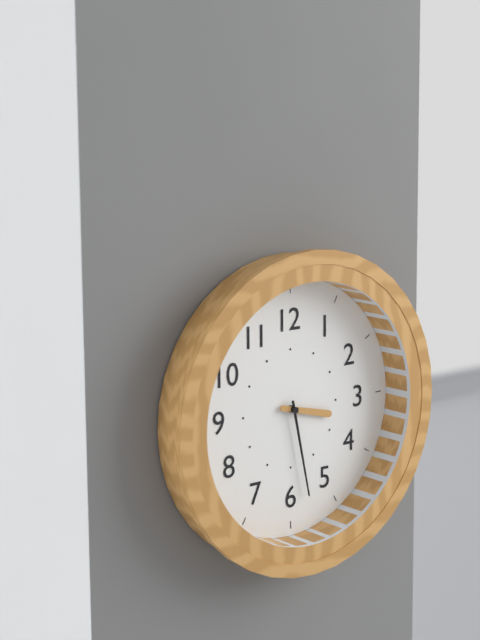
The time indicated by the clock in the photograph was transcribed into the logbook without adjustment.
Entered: 3:28
